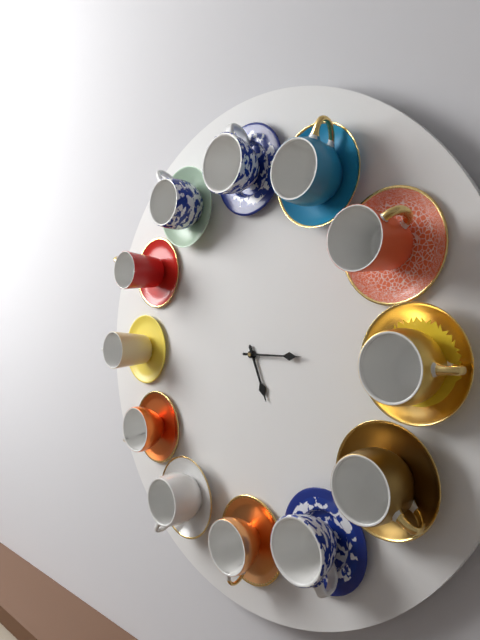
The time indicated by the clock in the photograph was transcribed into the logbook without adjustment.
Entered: 5:15
